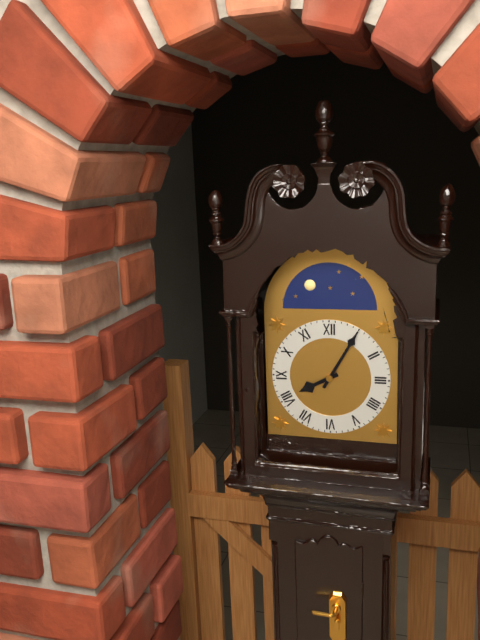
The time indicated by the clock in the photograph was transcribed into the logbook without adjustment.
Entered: 8:05
